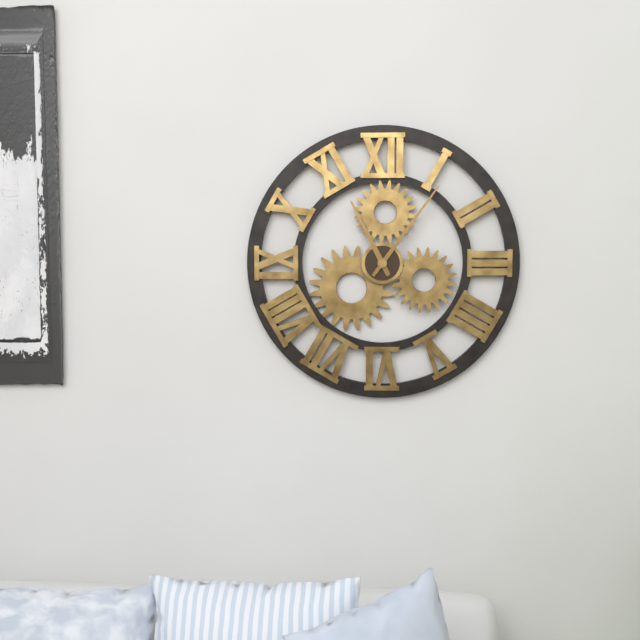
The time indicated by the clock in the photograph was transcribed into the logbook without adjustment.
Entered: 11:06
